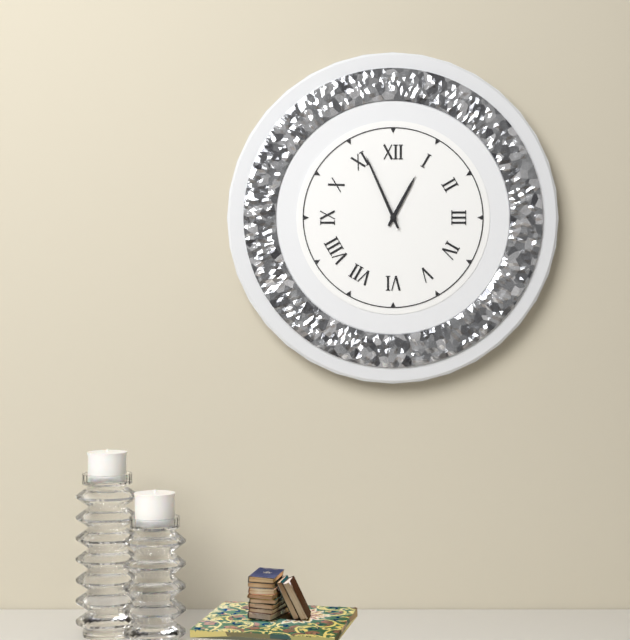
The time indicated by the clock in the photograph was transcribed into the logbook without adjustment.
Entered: 12:56
